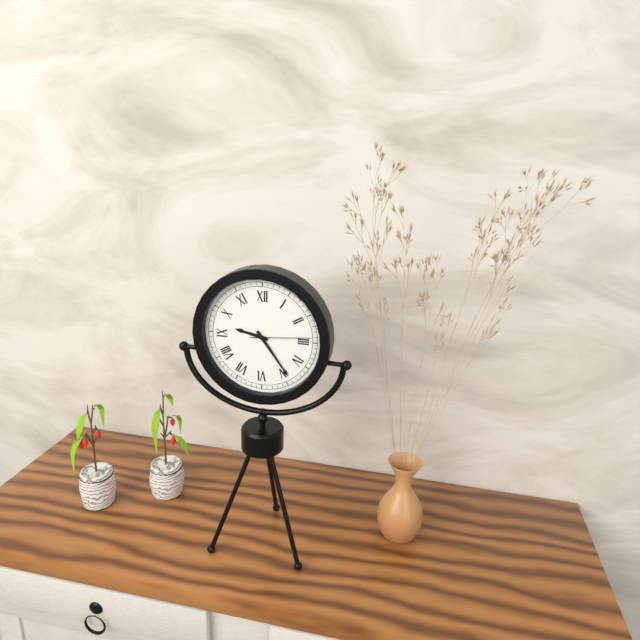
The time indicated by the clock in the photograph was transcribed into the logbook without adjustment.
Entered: 9:24:14
